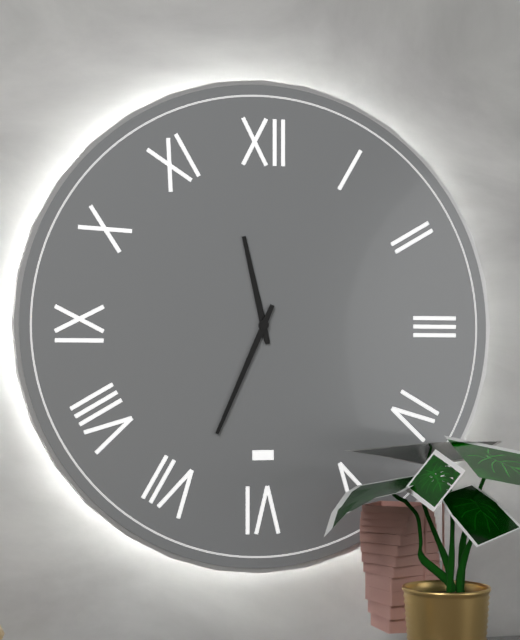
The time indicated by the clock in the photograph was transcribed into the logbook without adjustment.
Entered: 11:34
